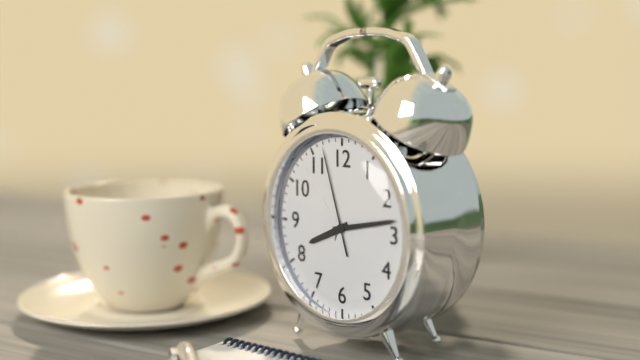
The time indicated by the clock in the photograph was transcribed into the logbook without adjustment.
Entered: 8:13:57
